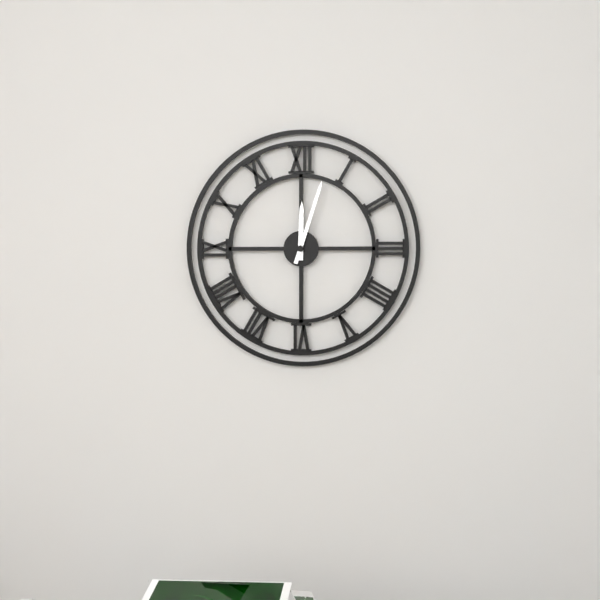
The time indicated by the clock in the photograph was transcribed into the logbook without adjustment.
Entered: 12:03
